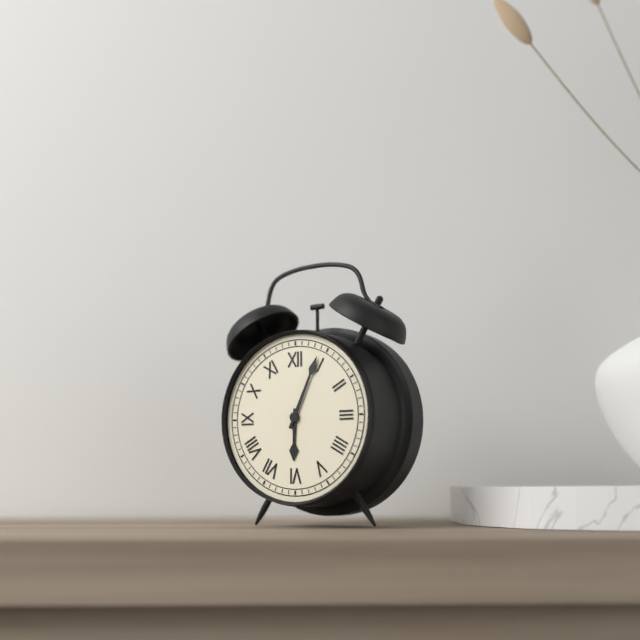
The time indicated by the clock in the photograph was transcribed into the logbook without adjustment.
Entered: 6:04
